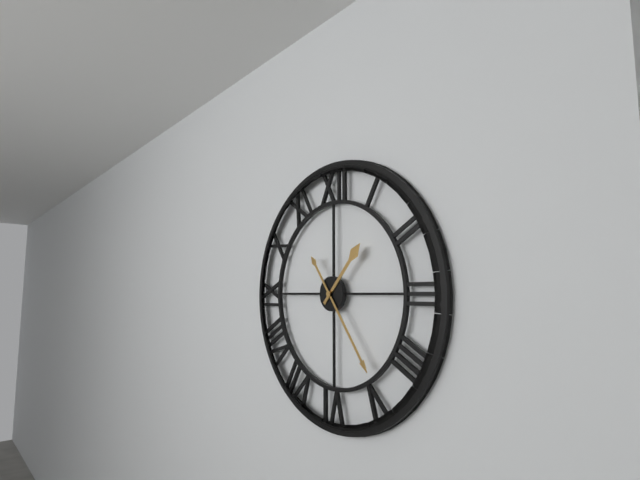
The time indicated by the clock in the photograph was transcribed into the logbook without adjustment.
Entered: 1:24
